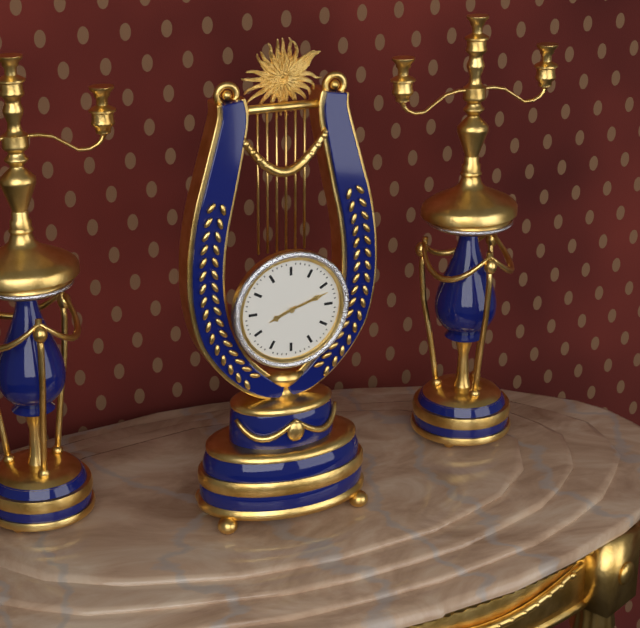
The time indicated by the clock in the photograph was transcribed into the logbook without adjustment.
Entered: 8:12
